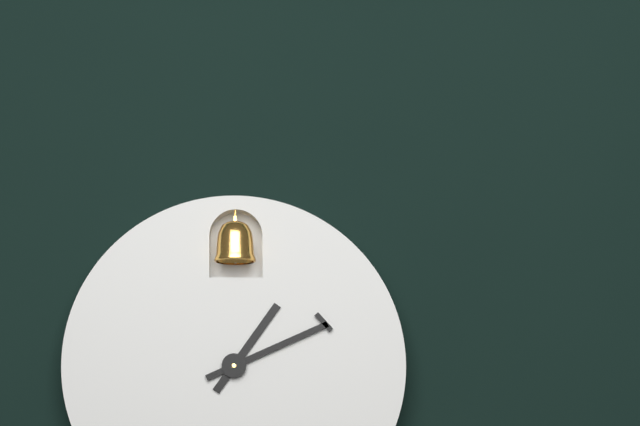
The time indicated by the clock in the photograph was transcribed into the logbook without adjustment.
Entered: 1:11
